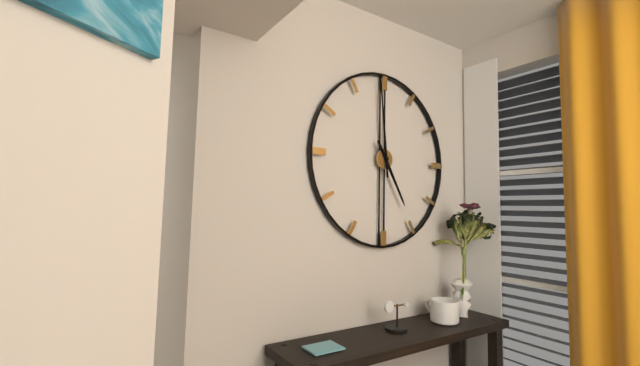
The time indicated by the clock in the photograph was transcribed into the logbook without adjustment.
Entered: 4:59
